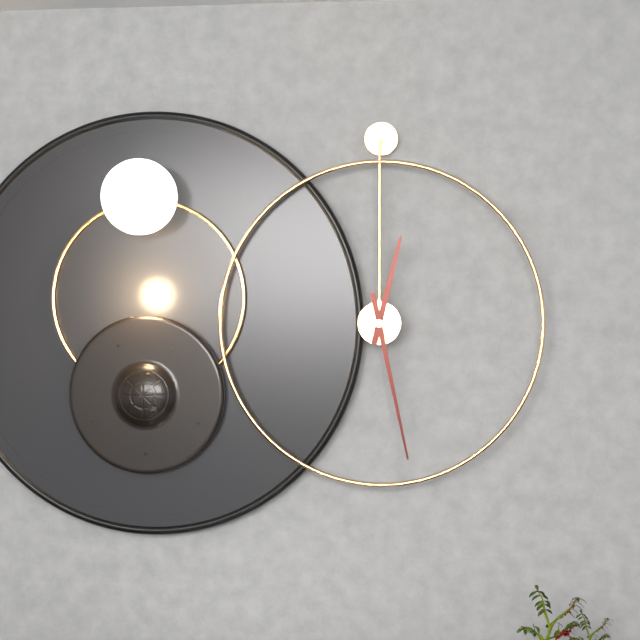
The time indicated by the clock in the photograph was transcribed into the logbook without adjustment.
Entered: 12:28
